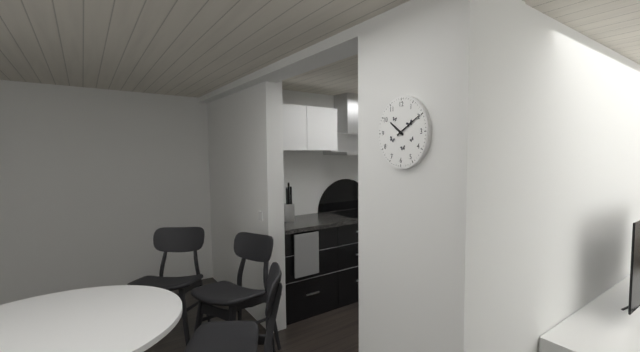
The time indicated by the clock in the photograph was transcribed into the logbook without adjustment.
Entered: 10:10
